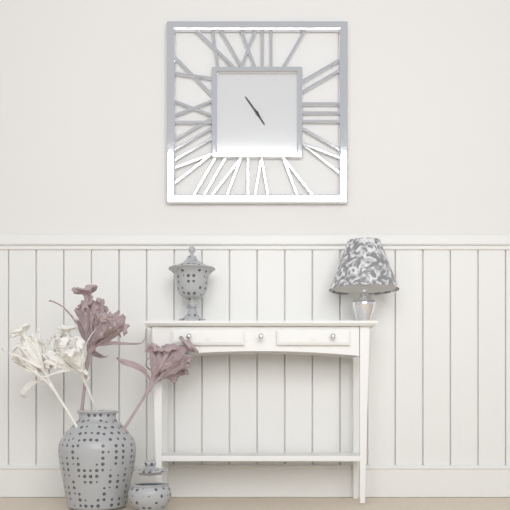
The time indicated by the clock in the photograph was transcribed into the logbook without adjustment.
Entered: 4:54
